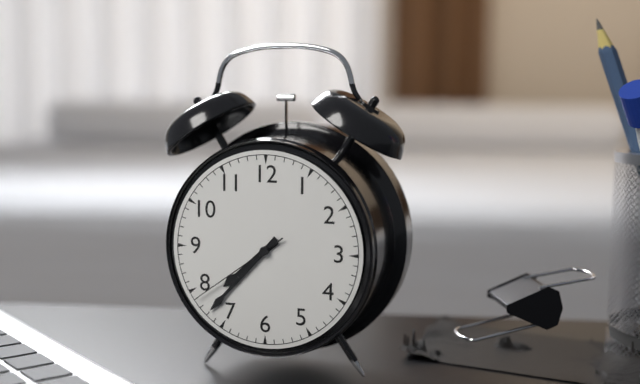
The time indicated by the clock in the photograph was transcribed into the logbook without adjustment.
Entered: 7:37:39
